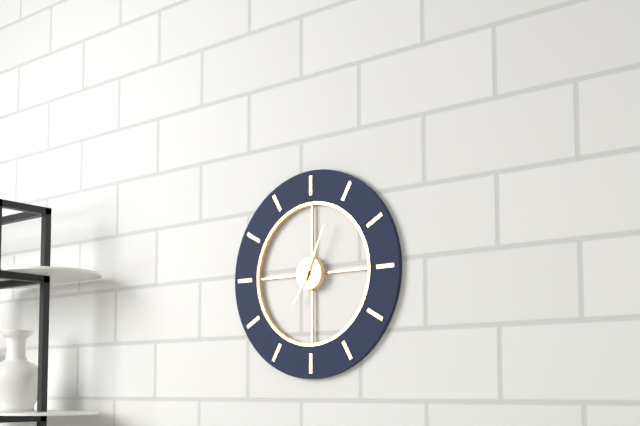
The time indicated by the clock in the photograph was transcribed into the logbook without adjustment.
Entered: 7:04
